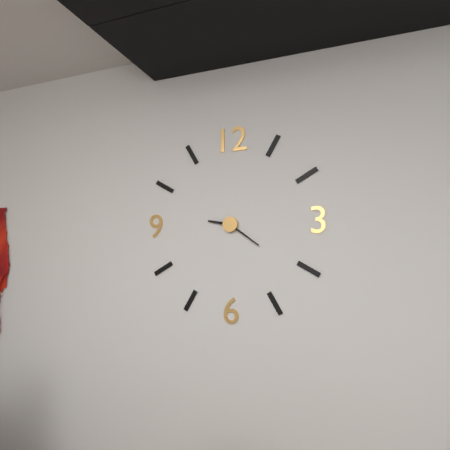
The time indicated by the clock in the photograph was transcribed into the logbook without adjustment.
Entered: 9:21
